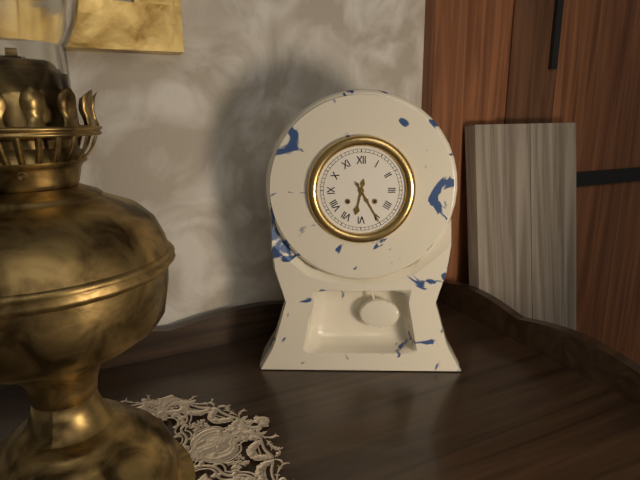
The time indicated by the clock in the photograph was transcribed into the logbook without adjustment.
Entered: 6:25
